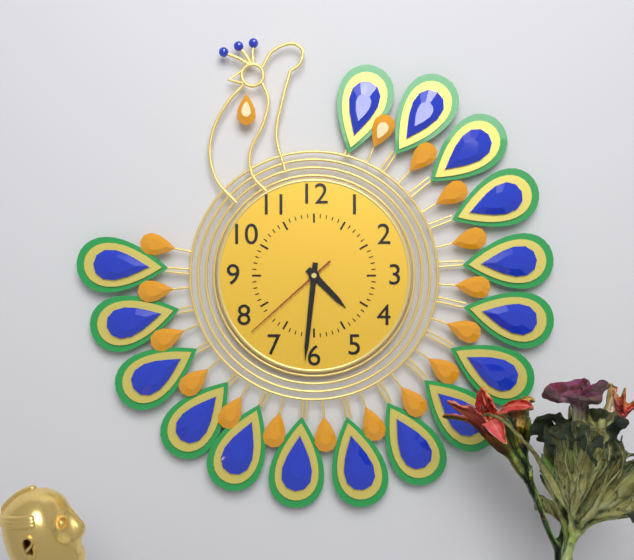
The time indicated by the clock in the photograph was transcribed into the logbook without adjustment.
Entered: 4:31:38
